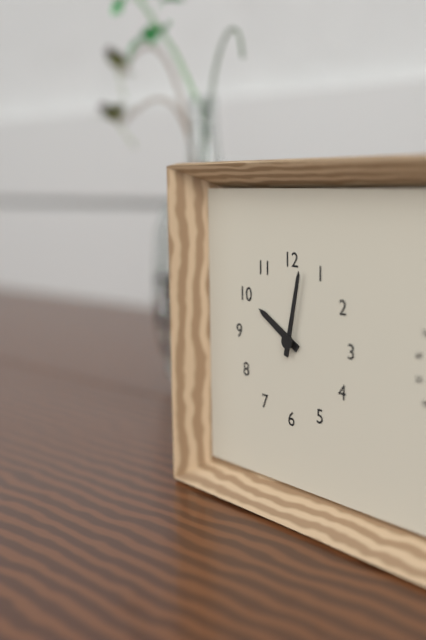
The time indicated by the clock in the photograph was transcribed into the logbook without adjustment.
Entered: 10:02
